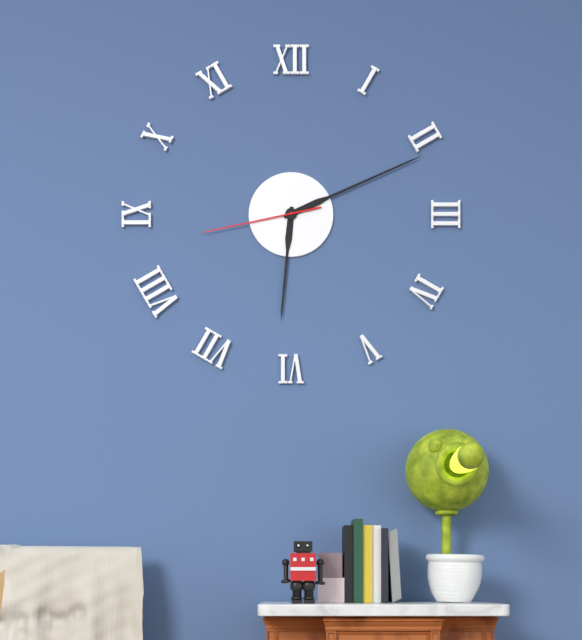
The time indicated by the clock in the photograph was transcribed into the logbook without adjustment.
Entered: 6:11:43
